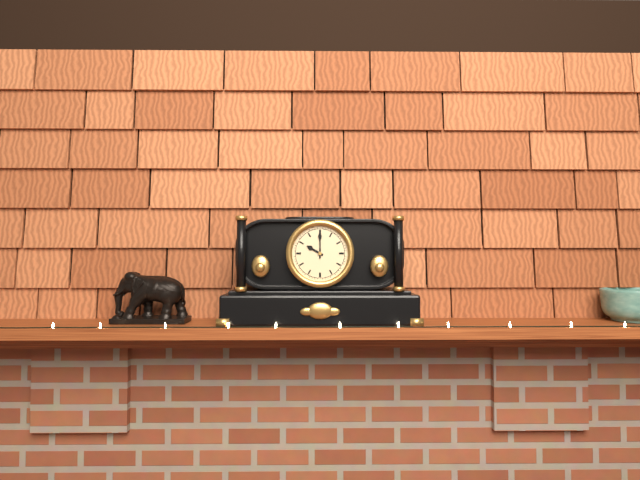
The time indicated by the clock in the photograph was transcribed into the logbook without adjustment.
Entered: 10:00
